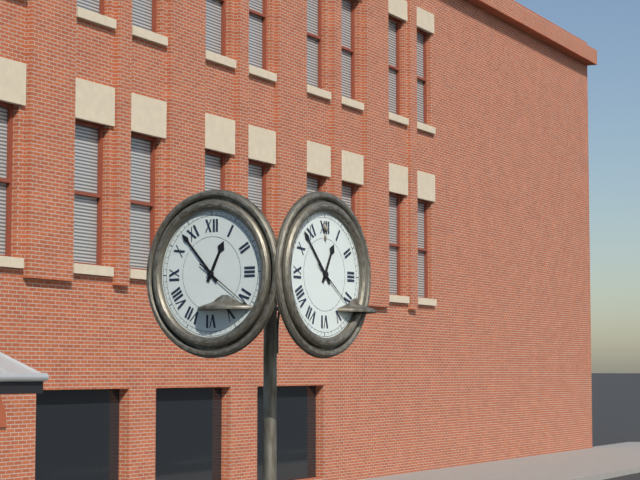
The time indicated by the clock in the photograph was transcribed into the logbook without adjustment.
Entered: 12:53:21
